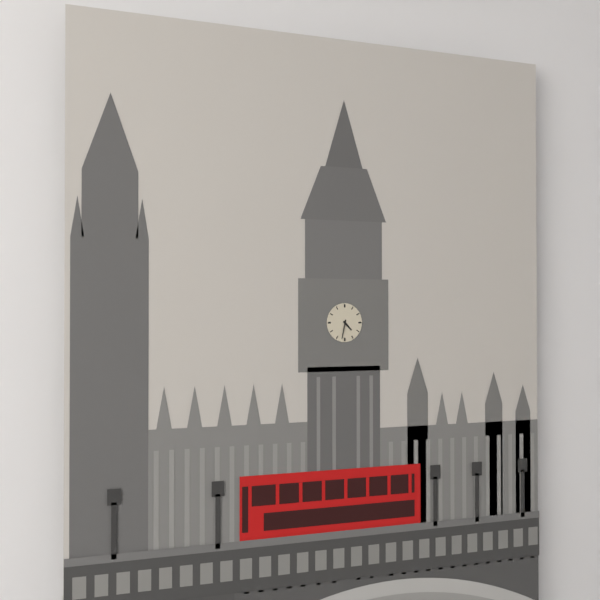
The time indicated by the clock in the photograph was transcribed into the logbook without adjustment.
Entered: 4:32
